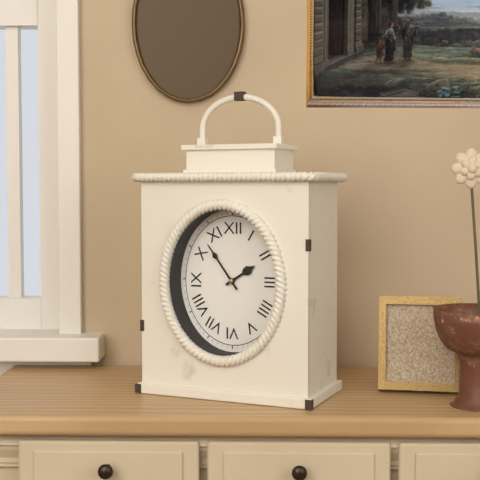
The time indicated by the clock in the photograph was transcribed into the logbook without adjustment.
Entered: 1:54
